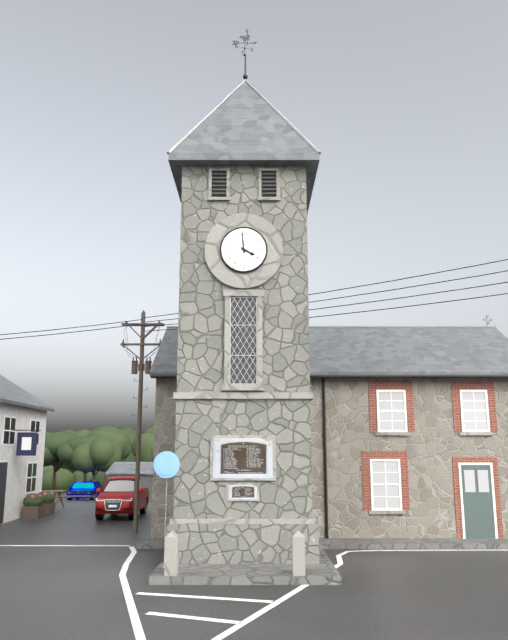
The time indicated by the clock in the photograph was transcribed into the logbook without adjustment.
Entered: 3:59
